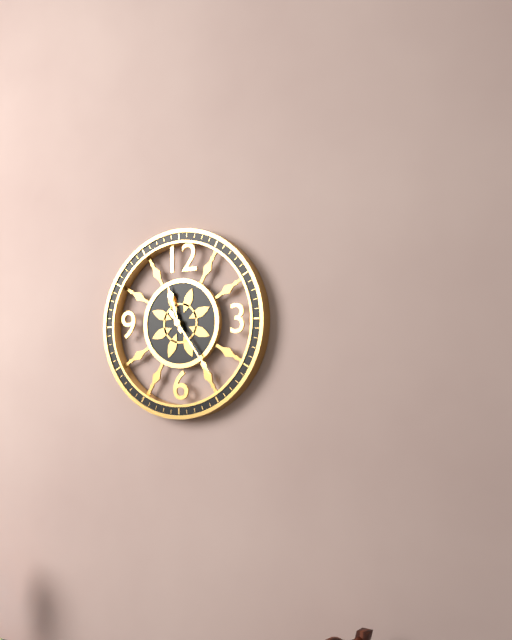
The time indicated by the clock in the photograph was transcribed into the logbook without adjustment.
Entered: 11:24
